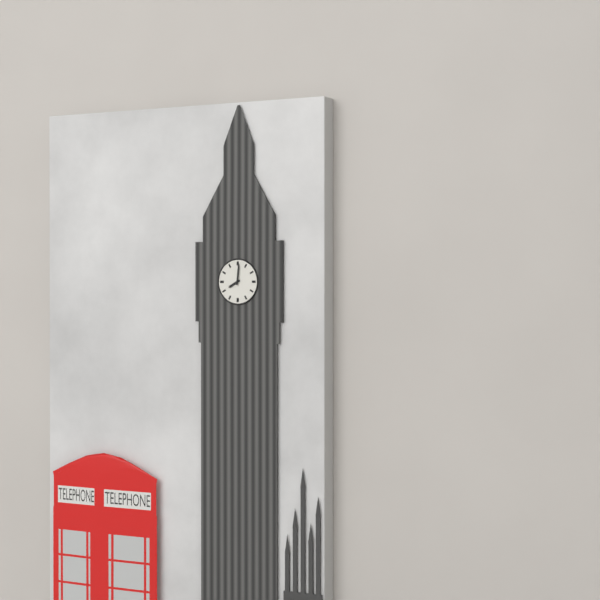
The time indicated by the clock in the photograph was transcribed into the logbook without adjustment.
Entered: 8:01
